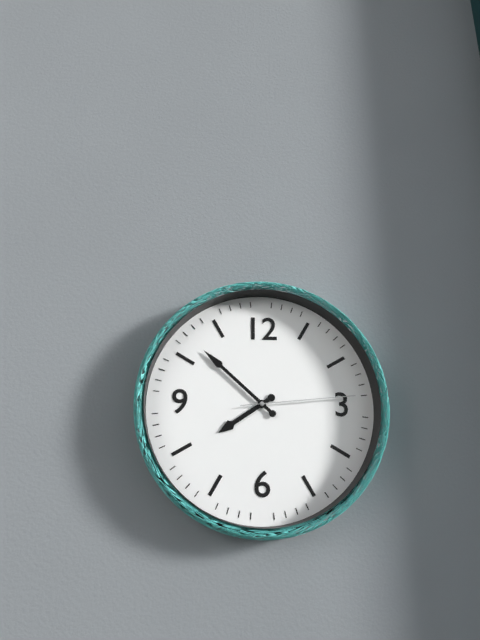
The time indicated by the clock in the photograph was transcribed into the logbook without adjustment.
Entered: 7:52:14
